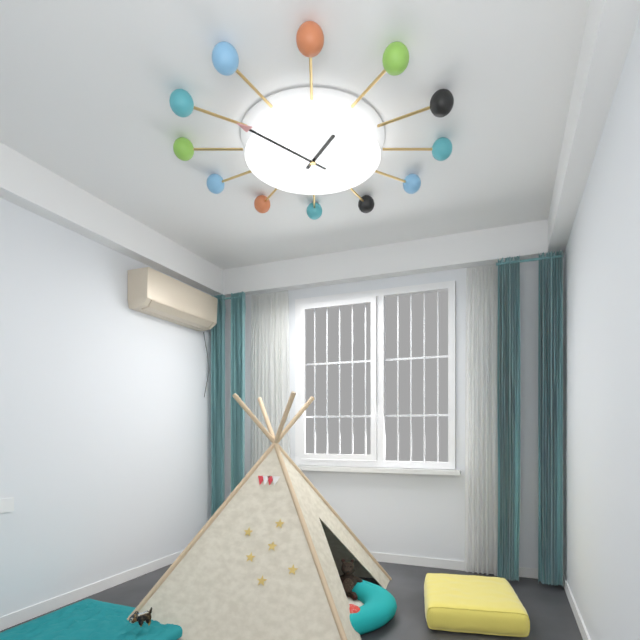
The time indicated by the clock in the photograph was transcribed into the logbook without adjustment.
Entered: 12:52
